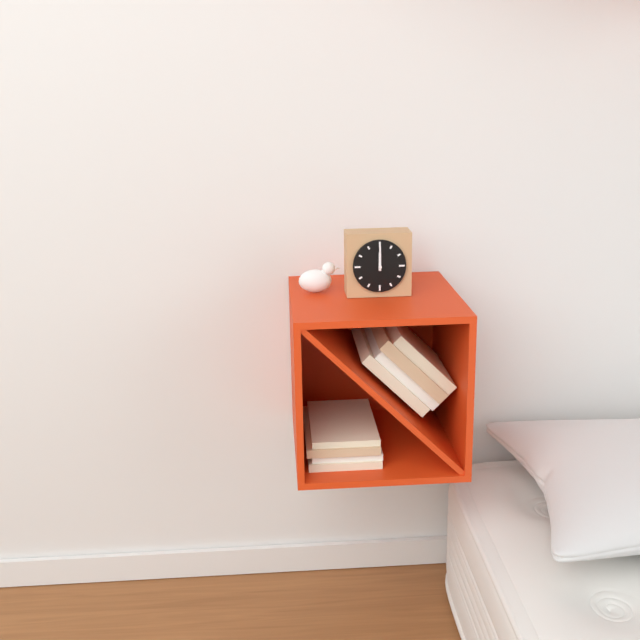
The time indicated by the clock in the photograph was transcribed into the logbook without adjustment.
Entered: 12:00
